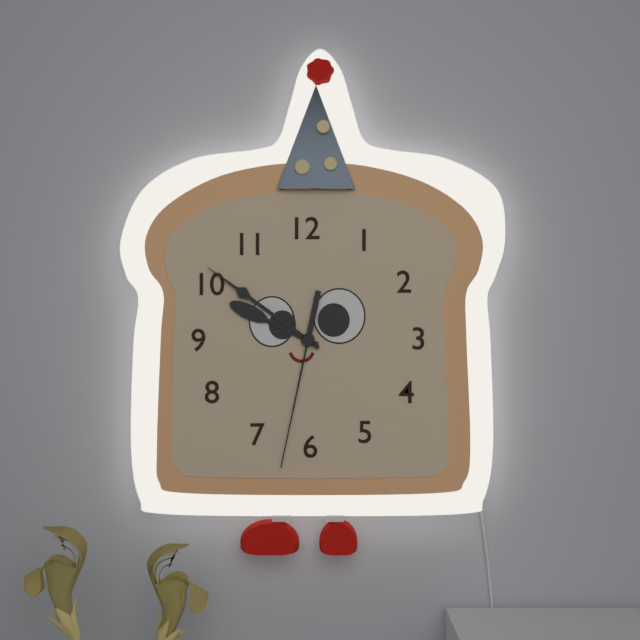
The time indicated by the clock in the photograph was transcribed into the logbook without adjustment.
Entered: 9:51:32
